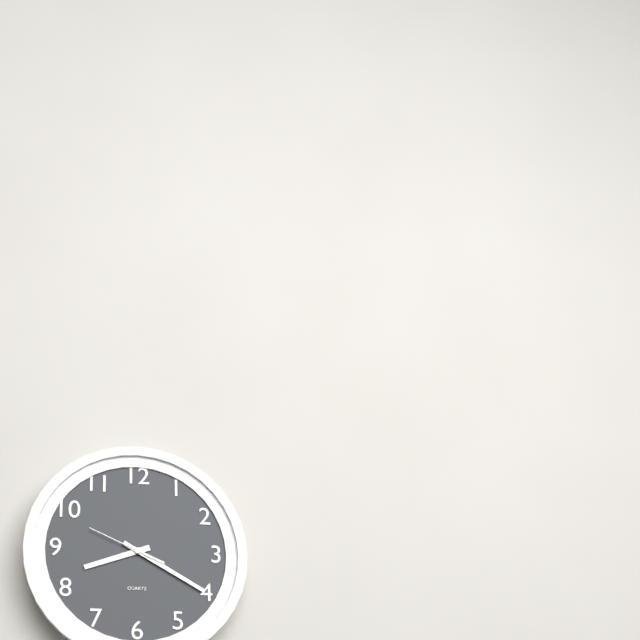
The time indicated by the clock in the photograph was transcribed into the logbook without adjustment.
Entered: 8:20:49
